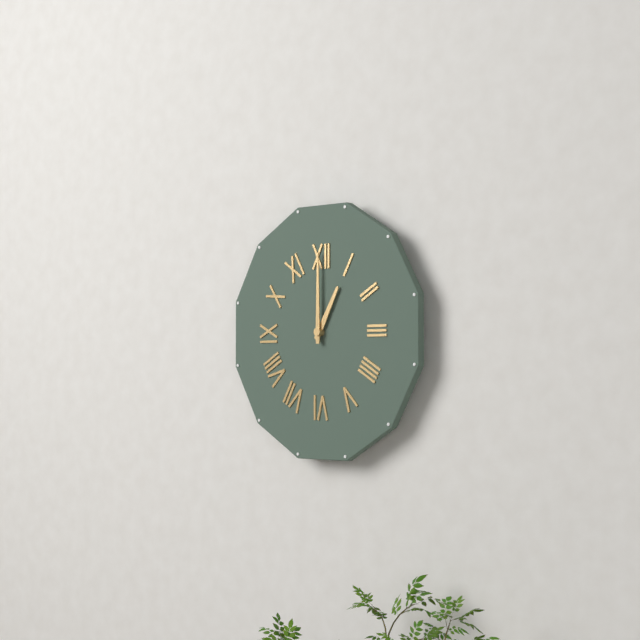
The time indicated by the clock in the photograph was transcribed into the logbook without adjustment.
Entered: 1:00
